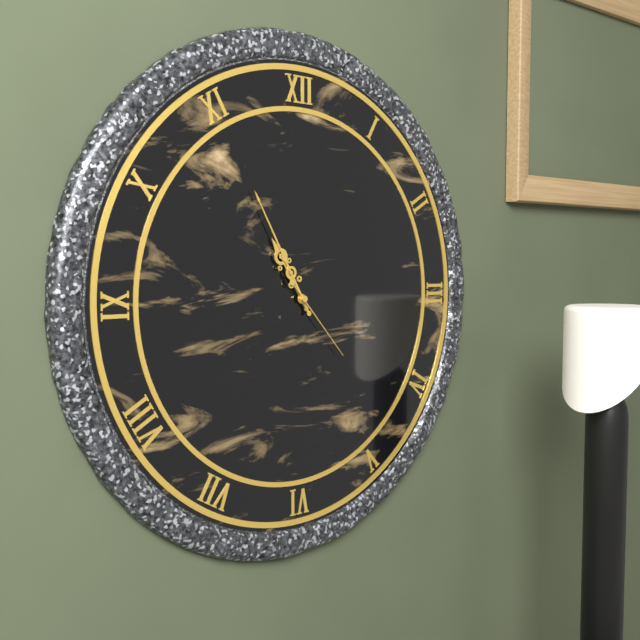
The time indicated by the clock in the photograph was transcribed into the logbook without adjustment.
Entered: 10:55:23
